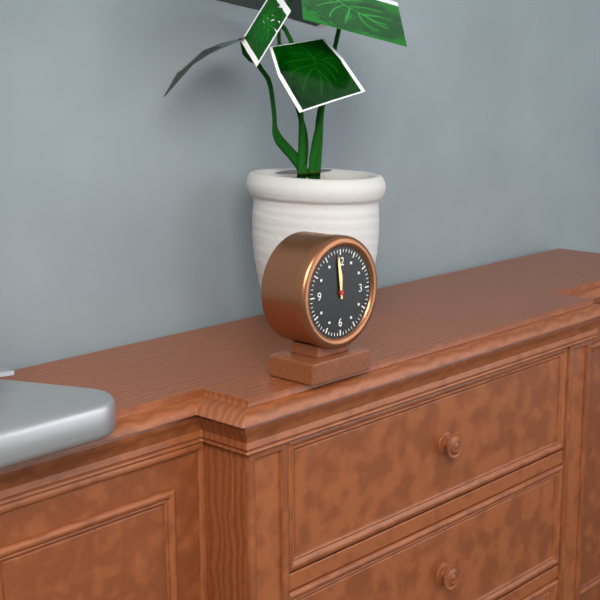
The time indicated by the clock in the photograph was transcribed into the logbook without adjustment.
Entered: 11:59
